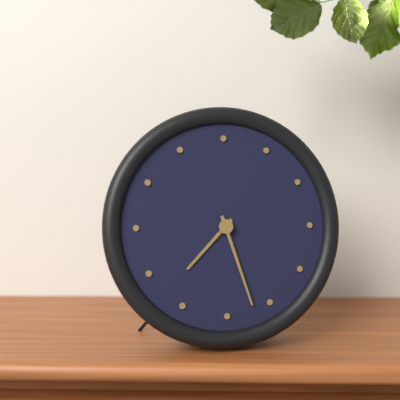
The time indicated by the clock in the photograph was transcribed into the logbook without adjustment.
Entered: 7:27
